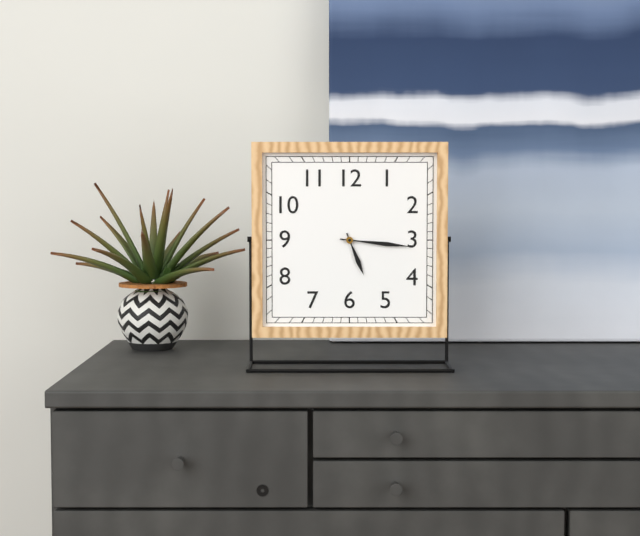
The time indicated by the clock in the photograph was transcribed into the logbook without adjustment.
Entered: 5:16
